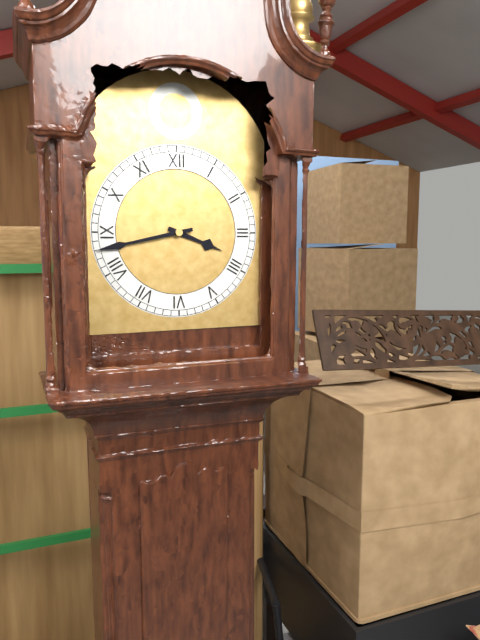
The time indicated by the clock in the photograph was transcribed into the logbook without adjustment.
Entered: 3:43
